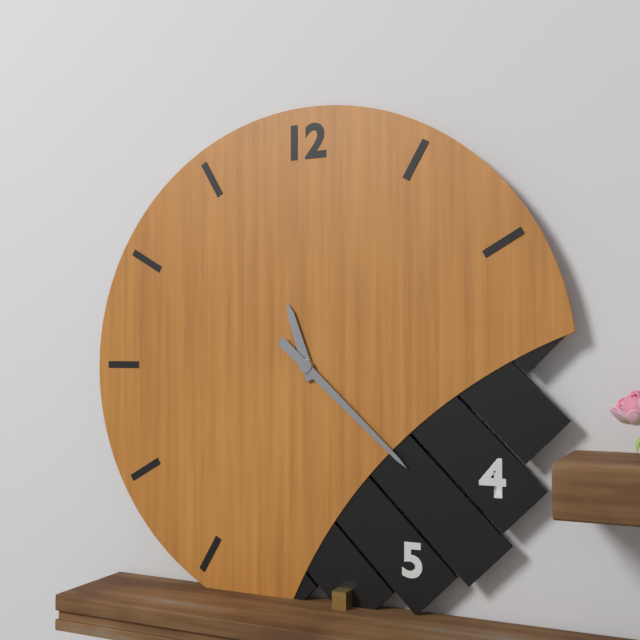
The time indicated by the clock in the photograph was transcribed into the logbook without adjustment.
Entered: 11:22
